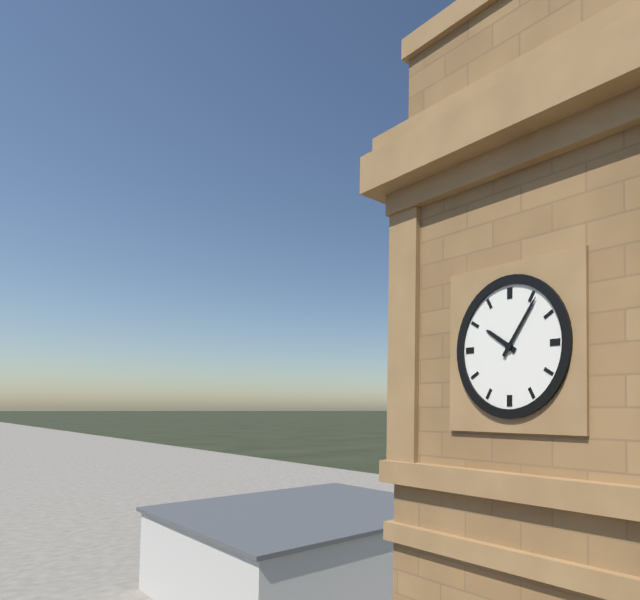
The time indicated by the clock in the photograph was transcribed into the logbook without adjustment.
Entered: 10:06
